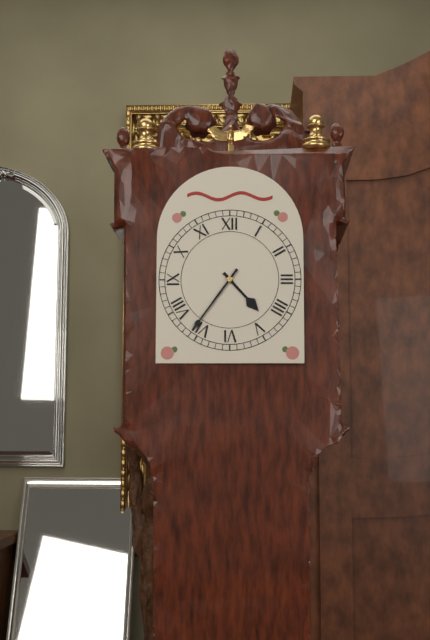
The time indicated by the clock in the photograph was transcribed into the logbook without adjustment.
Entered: 4:36
